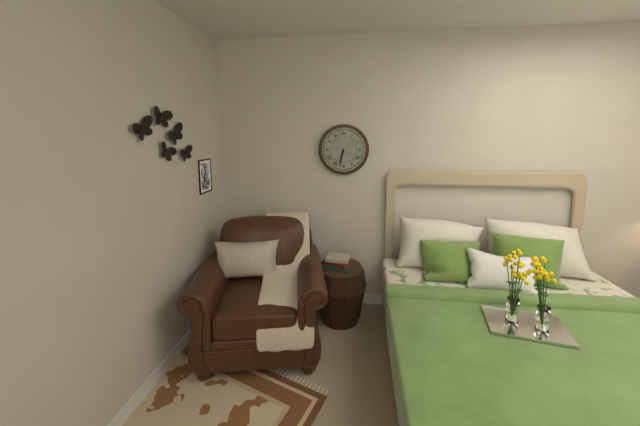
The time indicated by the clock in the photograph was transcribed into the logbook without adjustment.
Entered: 6:32
